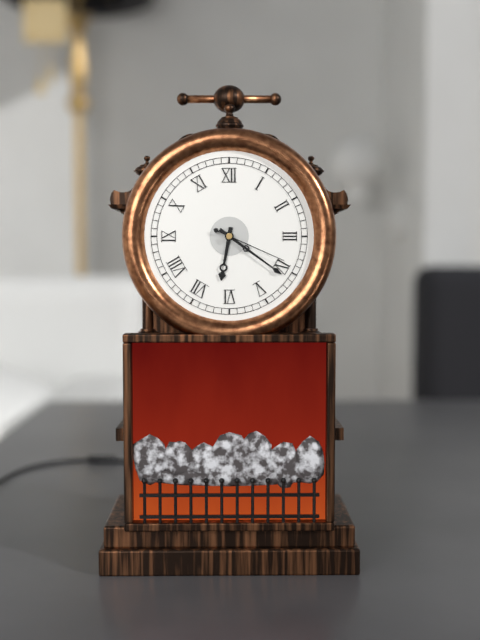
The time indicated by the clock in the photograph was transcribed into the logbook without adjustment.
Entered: 6:21:19
